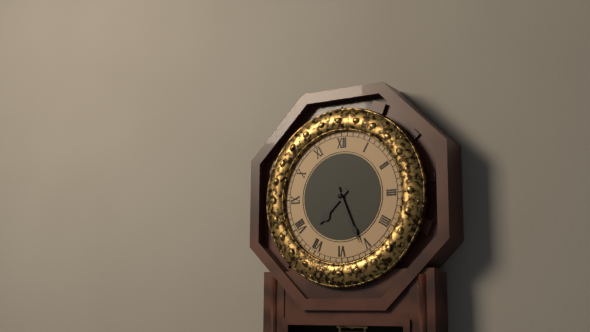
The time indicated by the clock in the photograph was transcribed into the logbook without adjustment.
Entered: 7:26
